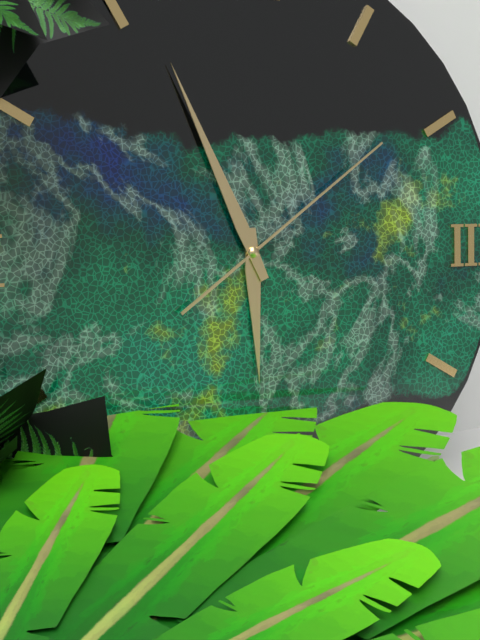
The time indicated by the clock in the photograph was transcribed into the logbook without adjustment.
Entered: 5:56:09
